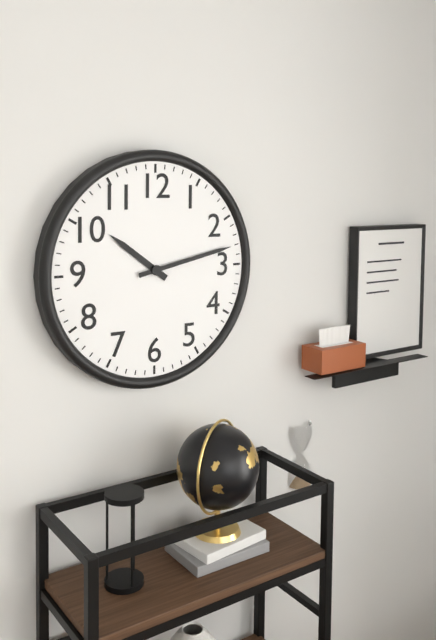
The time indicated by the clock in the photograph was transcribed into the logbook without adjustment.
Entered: 10:13
